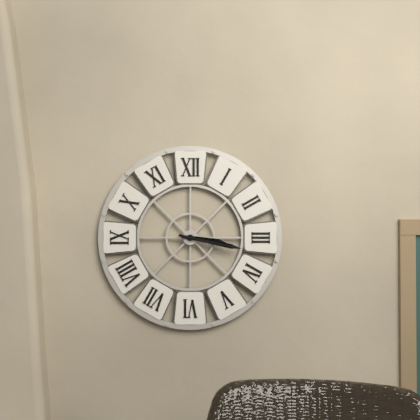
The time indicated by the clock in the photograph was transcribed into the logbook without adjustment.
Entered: 3:17
